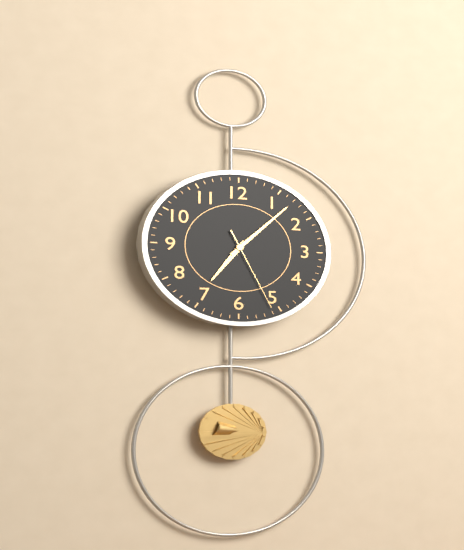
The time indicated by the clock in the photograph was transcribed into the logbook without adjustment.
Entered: 7:07:26
